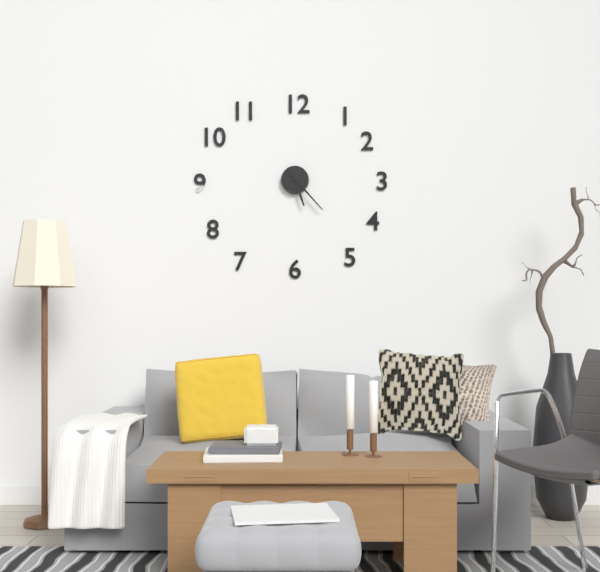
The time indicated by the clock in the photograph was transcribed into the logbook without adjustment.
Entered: 5:23
